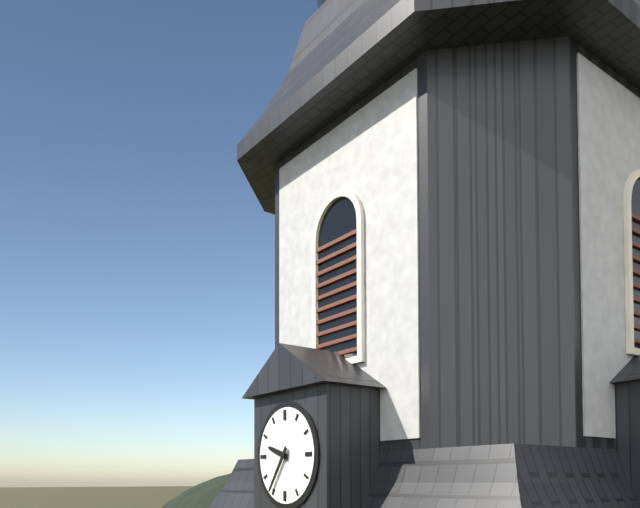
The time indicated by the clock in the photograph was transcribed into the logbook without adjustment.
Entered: 9:36
